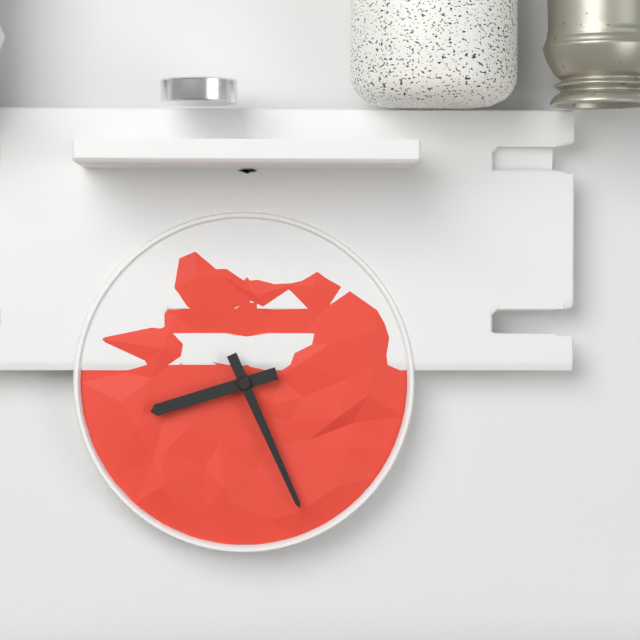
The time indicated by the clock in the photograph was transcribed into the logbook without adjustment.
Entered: 8:26
